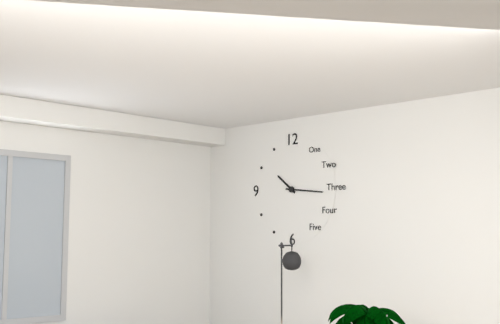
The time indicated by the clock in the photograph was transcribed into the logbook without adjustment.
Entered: 10:16
